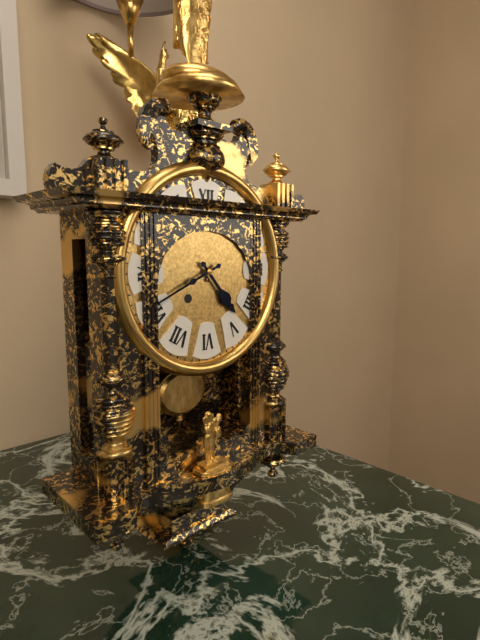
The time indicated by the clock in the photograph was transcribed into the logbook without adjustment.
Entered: 4:41
